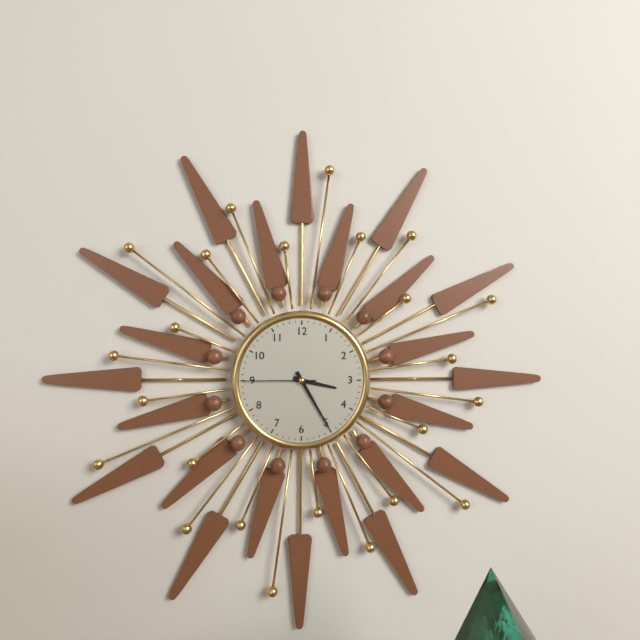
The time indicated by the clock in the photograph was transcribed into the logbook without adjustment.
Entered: 3:25:45
